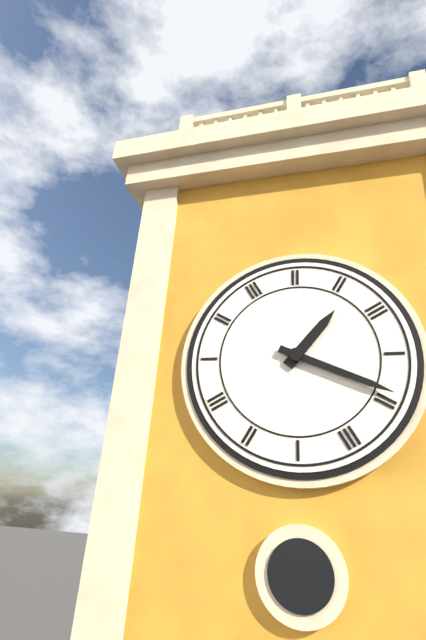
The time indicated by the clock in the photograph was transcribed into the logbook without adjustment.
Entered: 1:19
